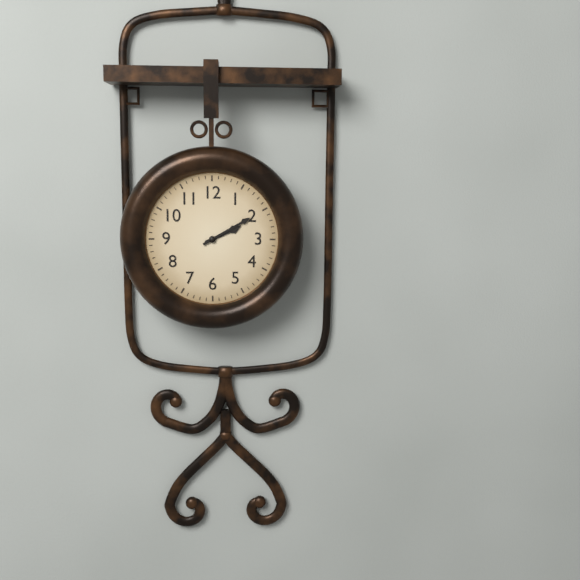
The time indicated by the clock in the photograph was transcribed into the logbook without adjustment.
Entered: 2:10
